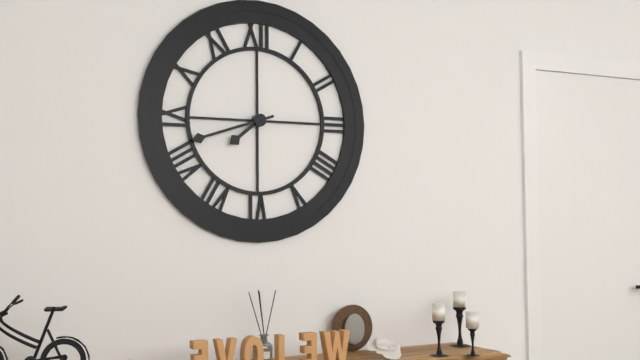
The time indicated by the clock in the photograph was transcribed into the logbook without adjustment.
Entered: 7:42
